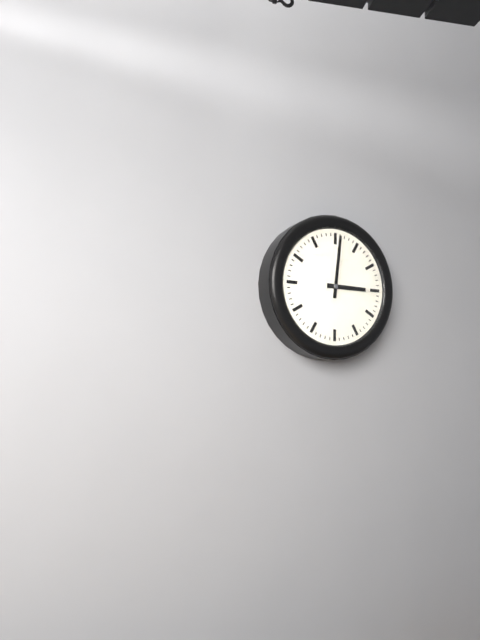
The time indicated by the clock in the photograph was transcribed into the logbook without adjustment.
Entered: 3:01
